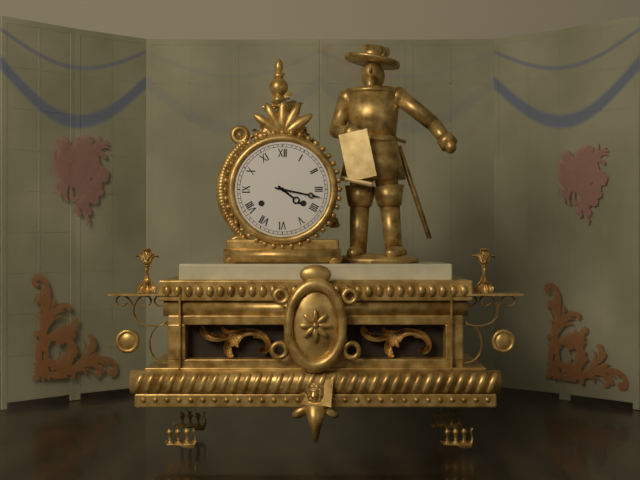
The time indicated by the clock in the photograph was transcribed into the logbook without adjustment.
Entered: 4:17
